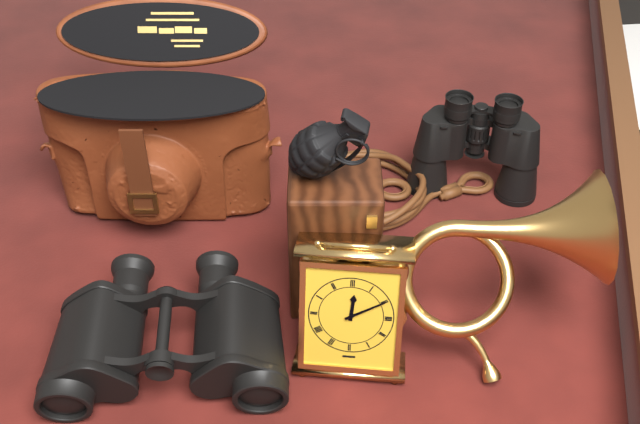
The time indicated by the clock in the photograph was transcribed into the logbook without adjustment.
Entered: 12:10
